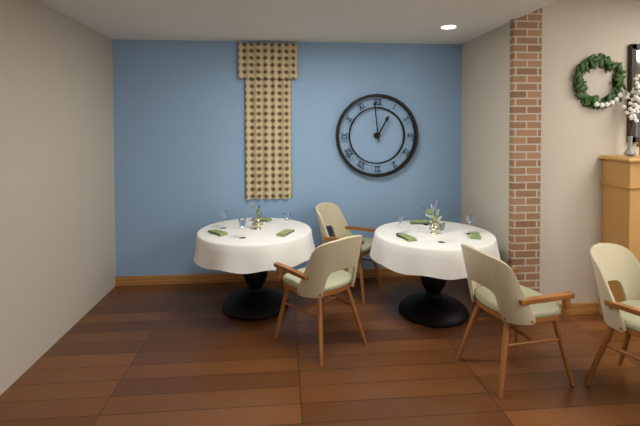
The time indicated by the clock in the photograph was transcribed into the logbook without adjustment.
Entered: 12:59
